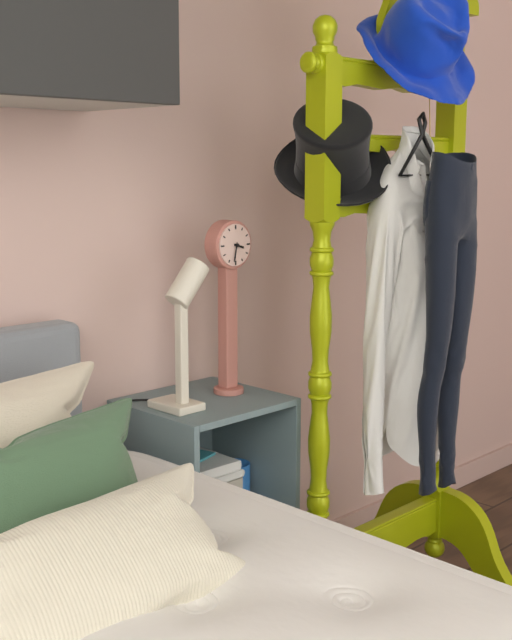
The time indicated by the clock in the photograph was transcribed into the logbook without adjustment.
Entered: 3:32
